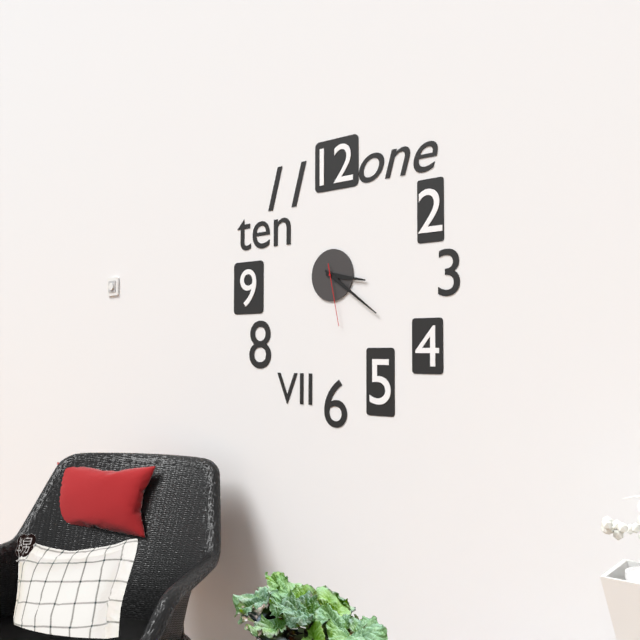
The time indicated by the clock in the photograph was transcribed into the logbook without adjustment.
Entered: 3:21:28
